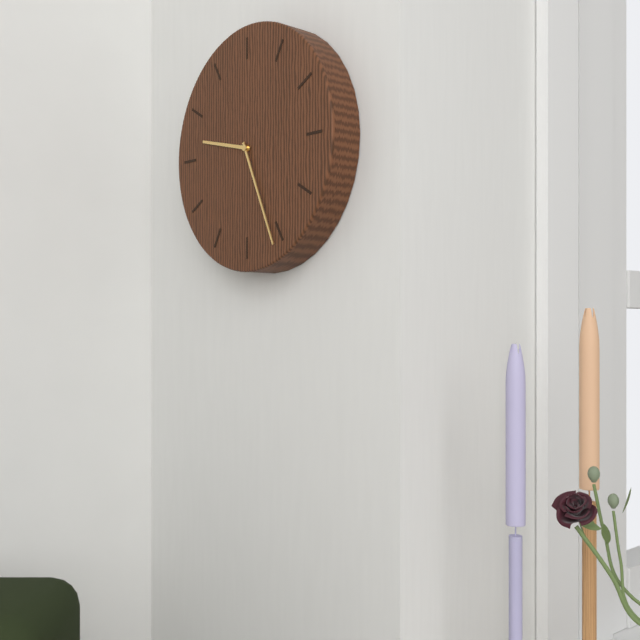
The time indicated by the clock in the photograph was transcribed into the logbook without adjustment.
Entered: 9:26
